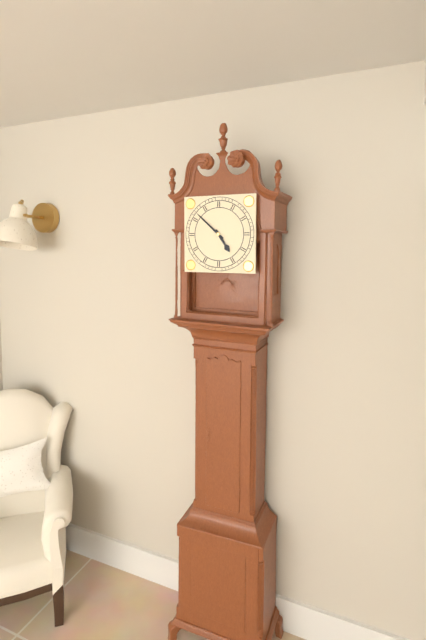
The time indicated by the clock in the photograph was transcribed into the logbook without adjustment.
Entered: 4:52
